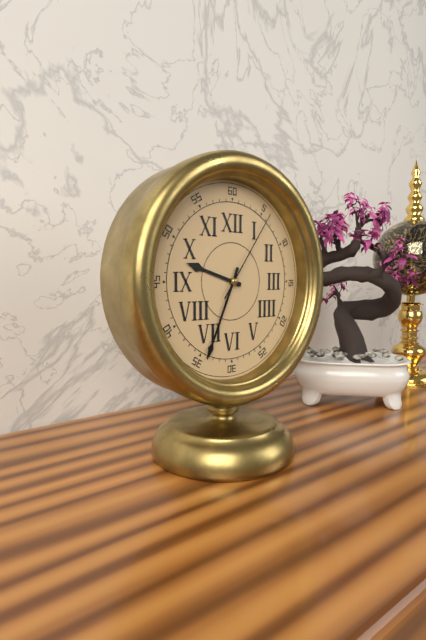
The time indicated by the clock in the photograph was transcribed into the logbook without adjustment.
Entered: 9:34:06
